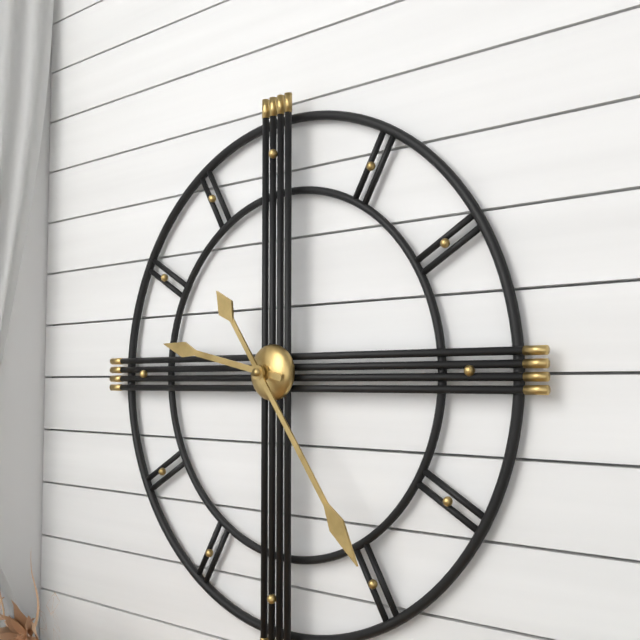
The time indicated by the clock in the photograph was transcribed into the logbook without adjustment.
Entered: 9:24
